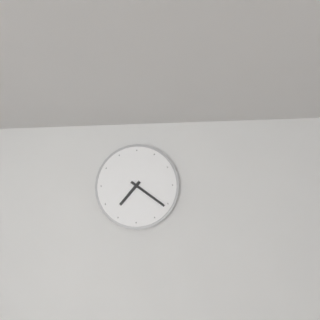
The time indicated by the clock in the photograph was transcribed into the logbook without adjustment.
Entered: 7:21
